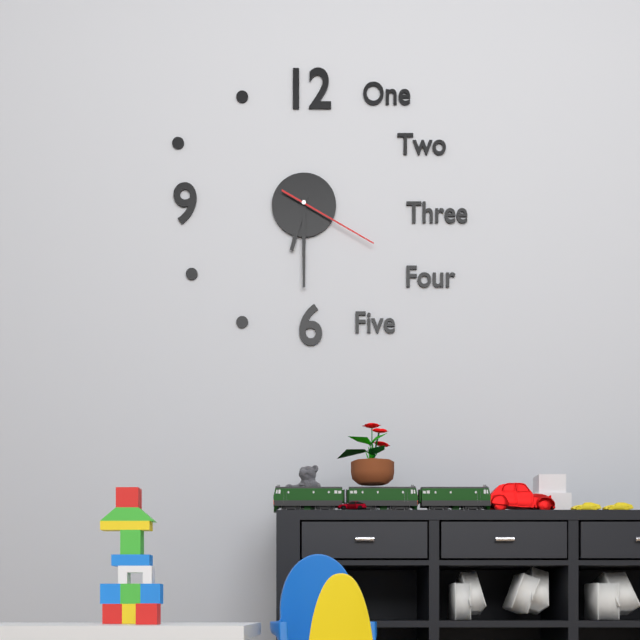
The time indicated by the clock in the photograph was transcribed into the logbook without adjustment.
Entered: 6:30:20
